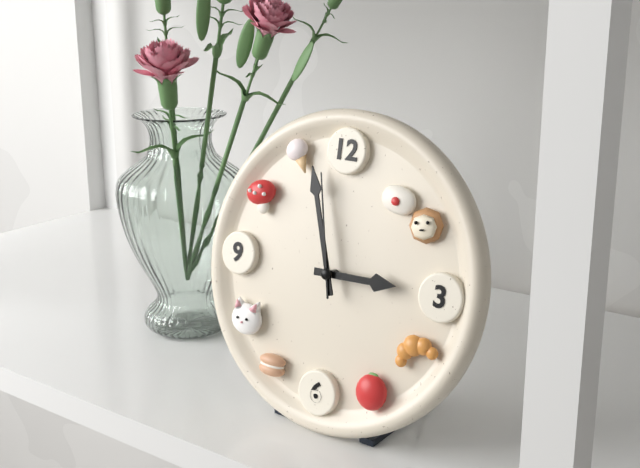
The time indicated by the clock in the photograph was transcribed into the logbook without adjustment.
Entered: 2:57:58
